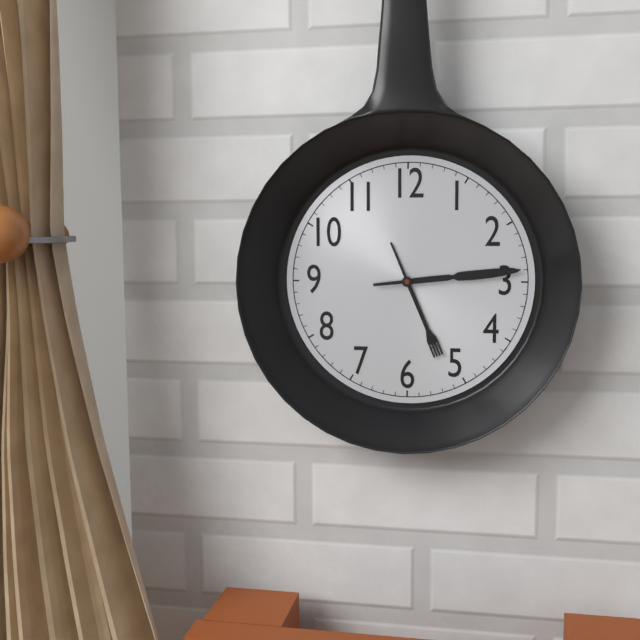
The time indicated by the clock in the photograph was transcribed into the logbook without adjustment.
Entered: 5:14
